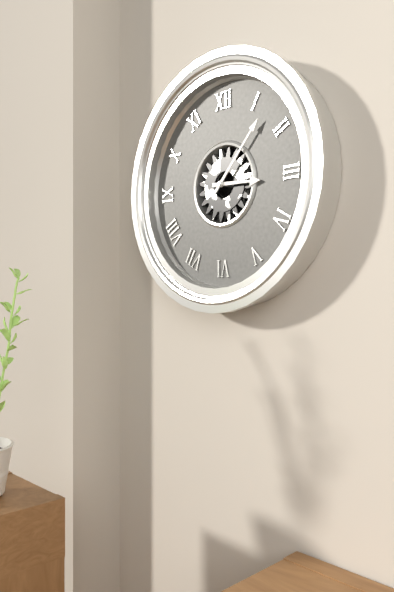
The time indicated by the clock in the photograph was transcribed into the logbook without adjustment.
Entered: 3:07
